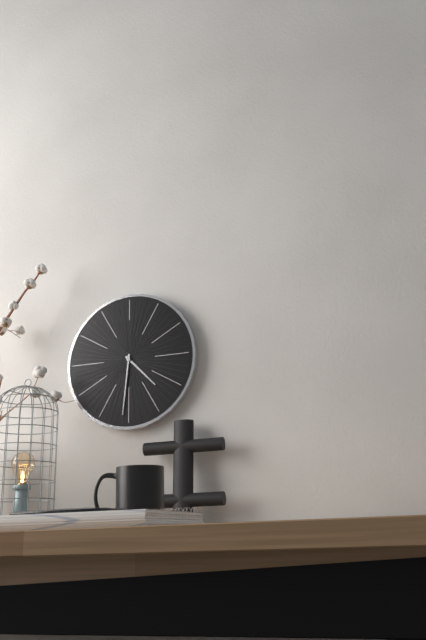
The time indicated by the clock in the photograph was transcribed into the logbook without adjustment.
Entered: 4:31
